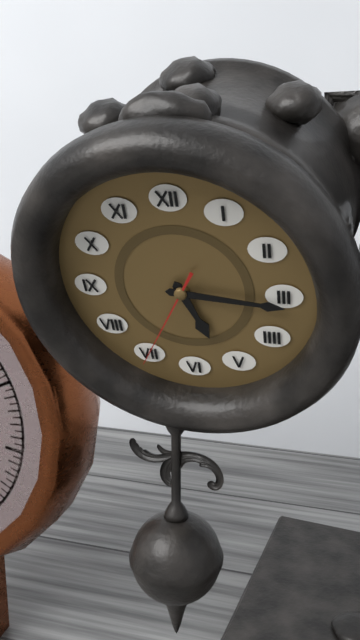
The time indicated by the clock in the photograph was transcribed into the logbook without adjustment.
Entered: 5:16:35
